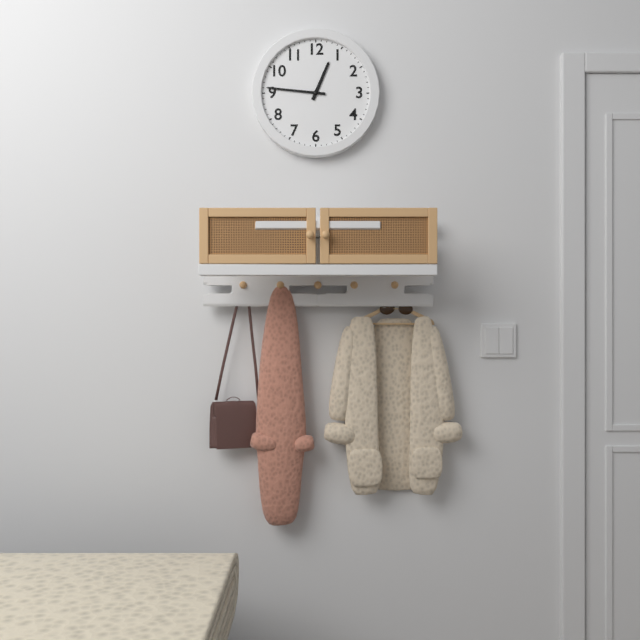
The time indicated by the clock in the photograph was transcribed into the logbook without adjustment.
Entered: 12:46
